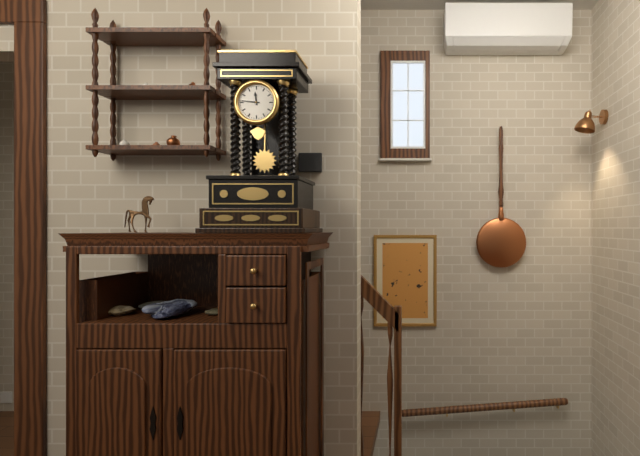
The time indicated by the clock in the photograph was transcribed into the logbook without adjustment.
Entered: 11:46
